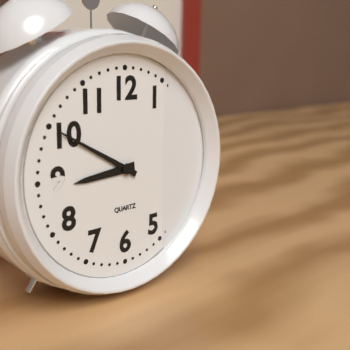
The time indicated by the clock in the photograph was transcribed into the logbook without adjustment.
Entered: 8:50
